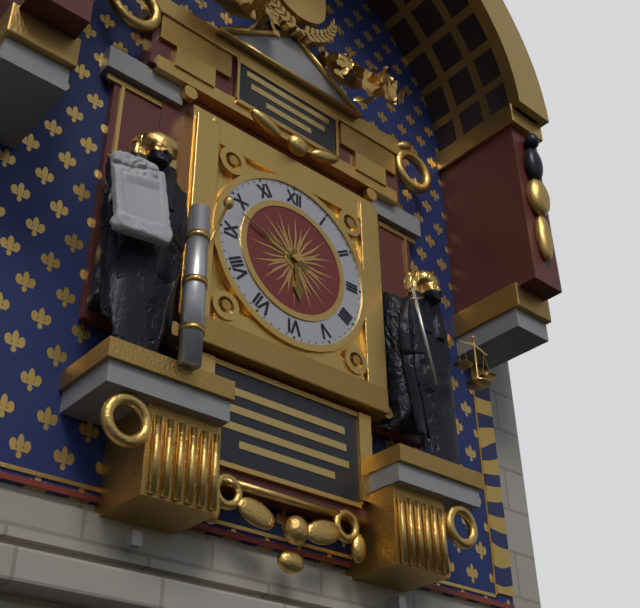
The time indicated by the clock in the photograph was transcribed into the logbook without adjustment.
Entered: 5:48
